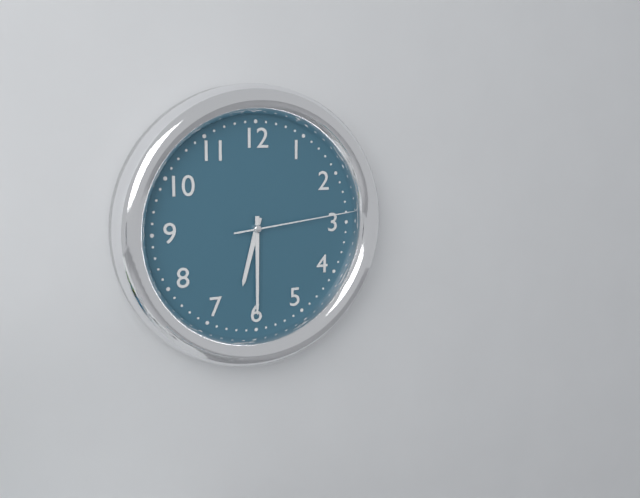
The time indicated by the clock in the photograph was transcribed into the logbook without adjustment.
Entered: 6:30:14
